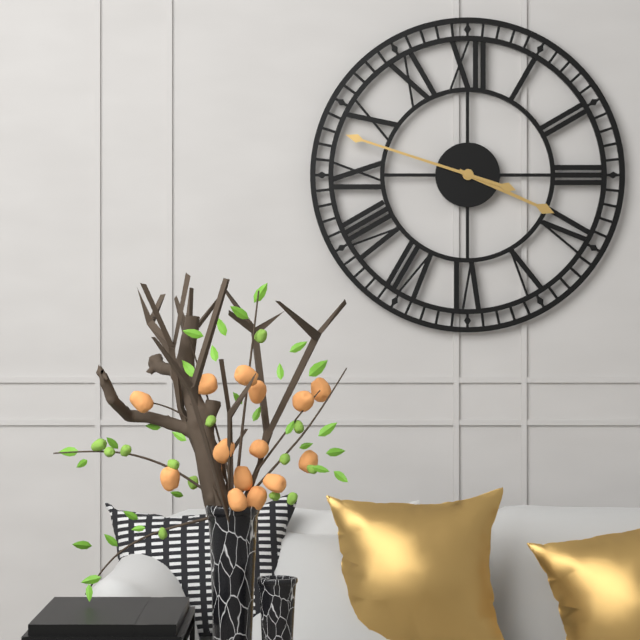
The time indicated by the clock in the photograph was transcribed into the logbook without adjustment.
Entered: 3:48
